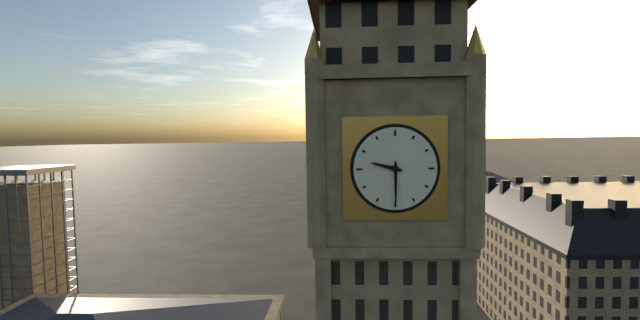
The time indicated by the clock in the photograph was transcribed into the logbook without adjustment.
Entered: 9:30
